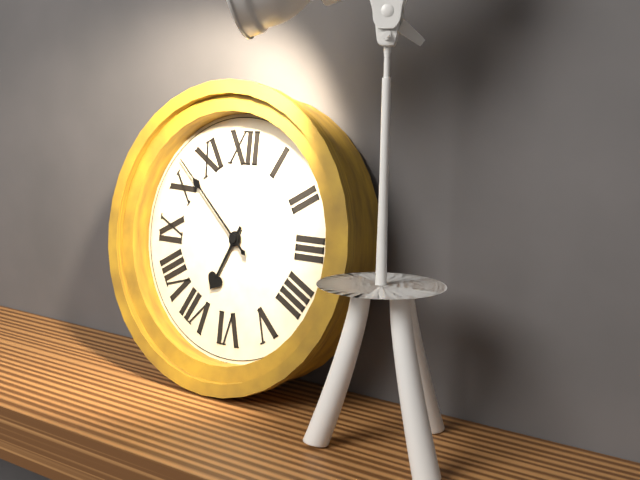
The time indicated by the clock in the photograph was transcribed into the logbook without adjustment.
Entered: 6:52
